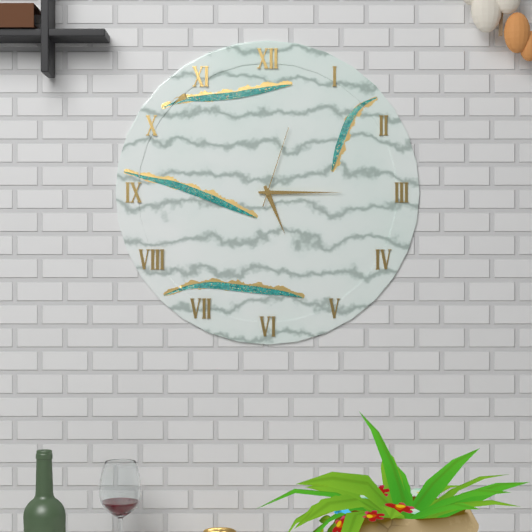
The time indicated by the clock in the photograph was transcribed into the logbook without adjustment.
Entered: 5:15:03
